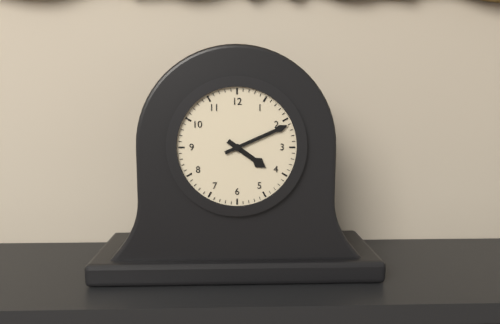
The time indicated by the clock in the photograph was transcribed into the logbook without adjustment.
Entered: 4:11
